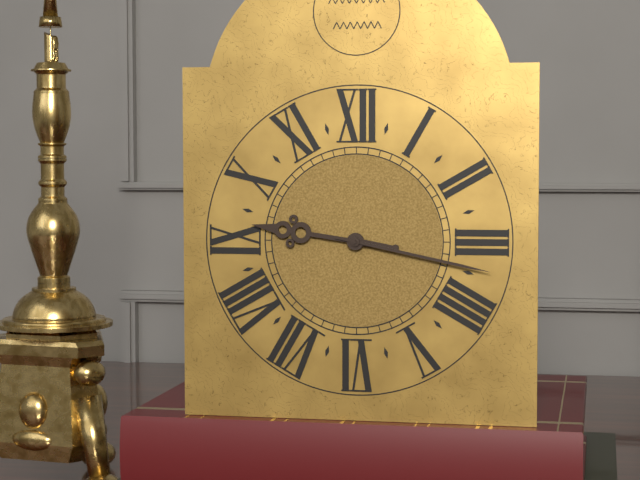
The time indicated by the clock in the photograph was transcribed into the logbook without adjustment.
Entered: 9:17
